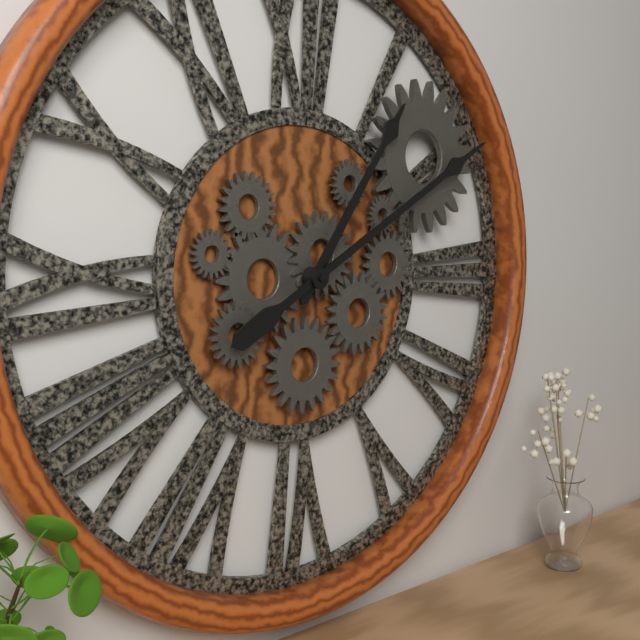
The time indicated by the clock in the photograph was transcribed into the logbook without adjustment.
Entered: 1:10
